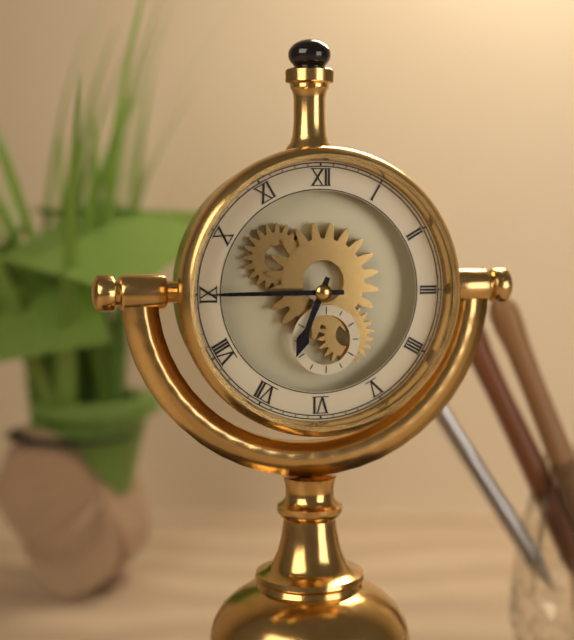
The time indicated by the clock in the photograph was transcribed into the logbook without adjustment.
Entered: 6:45
